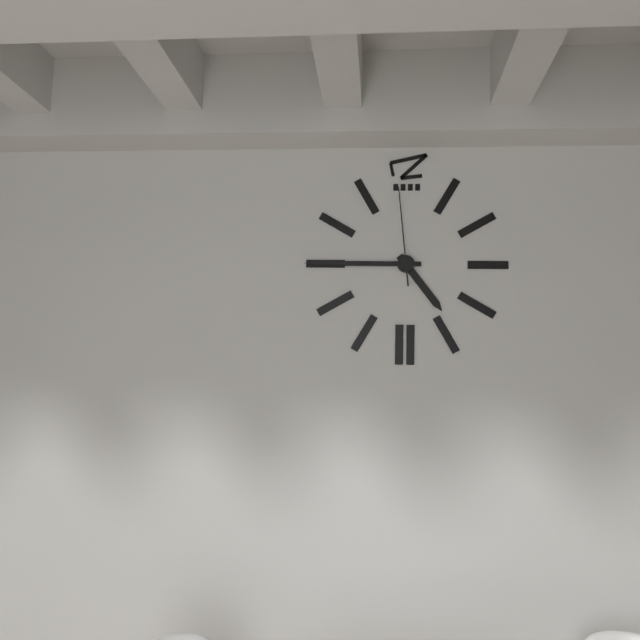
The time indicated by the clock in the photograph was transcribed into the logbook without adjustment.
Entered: 4:45:59
